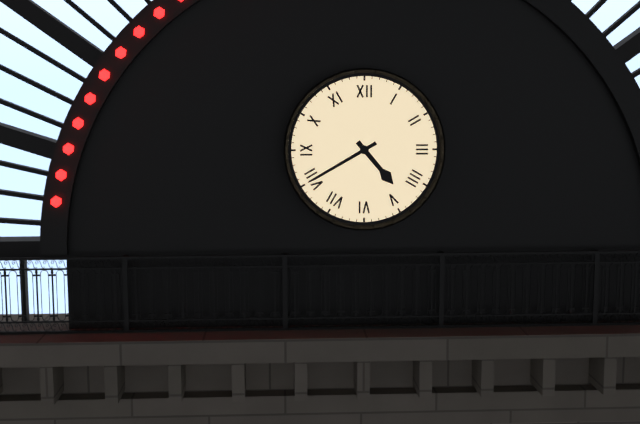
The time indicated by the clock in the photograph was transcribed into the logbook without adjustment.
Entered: 4:40
